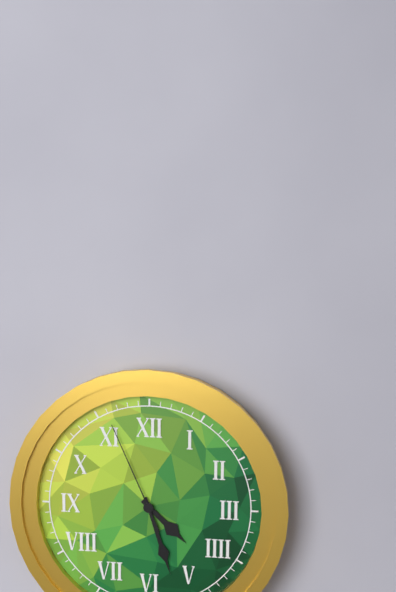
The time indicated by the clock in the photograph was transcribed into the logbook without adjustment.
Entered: 4:27:56
